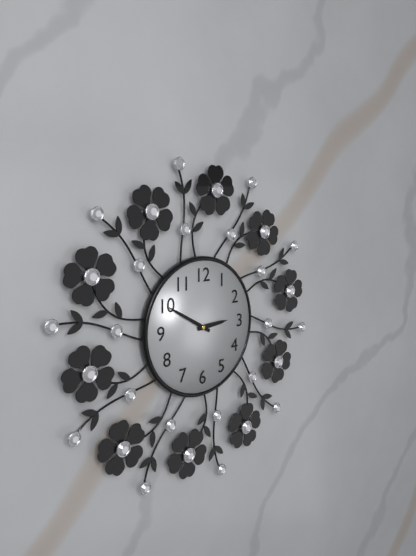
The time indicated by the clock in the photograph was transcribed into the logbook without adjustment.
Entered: 2:50
